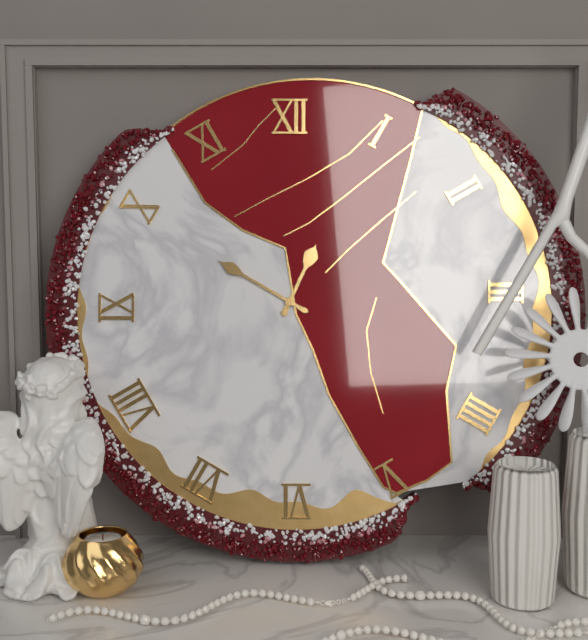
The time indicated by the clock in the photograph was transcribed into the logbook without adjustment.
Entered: 12:50
